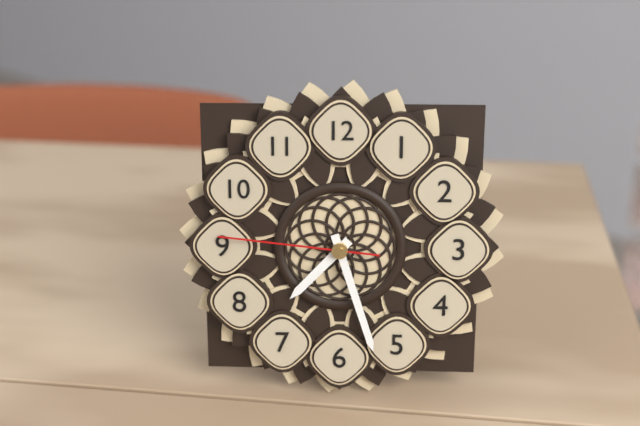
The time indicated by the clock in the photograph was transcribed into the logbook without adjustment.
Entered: 7:27:46
